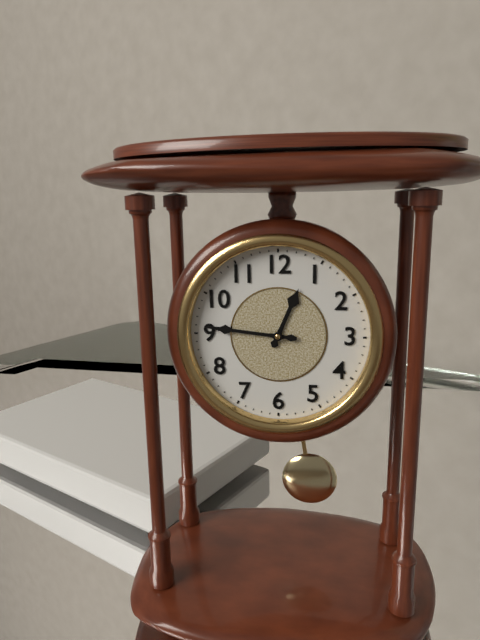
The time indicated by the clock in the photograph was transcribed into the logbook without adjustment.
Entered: 12:46
